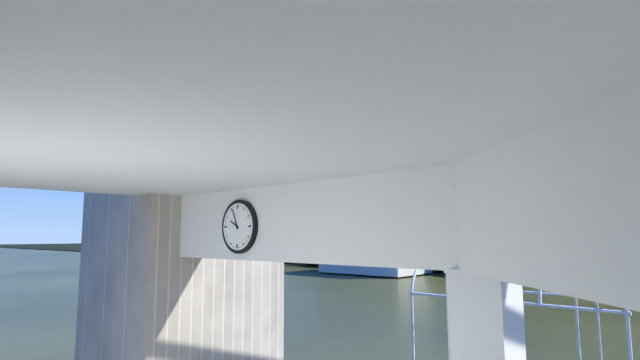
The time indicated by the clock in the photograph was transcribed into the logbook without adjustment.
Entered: 9:56
